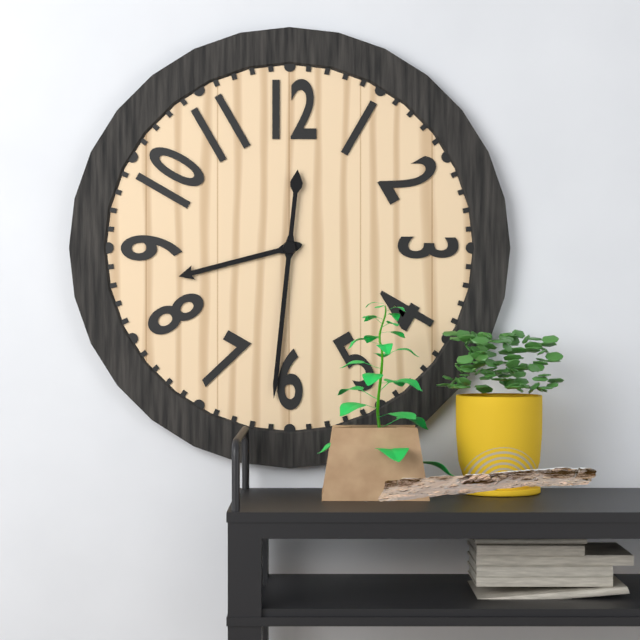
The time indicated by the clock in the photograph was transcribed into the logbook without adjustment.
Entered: 8:31
